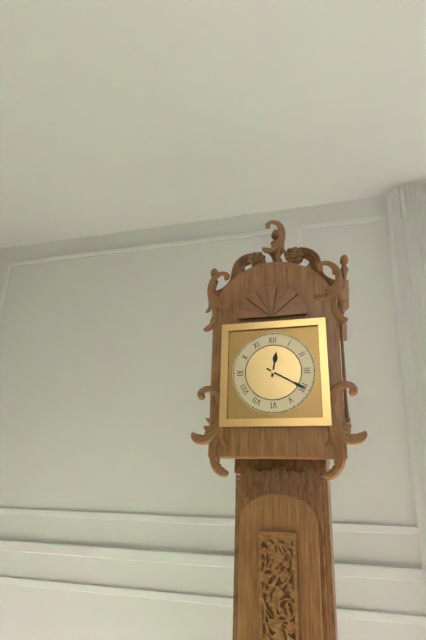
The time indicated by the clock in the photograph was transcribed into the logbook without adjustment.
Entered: 12:20
